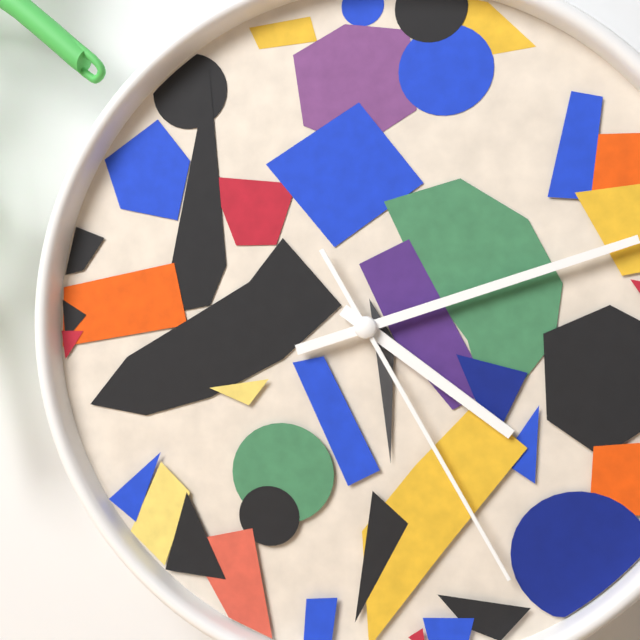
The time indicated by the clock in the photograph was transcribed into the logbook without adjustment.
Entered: 4:12:25
